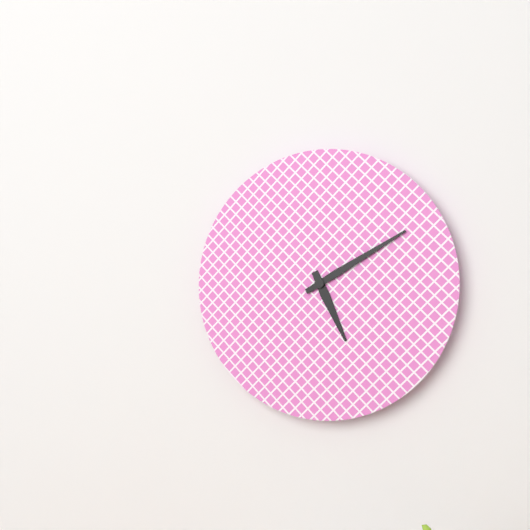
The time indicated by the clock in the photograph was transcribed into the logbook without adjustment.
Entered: 5:10
